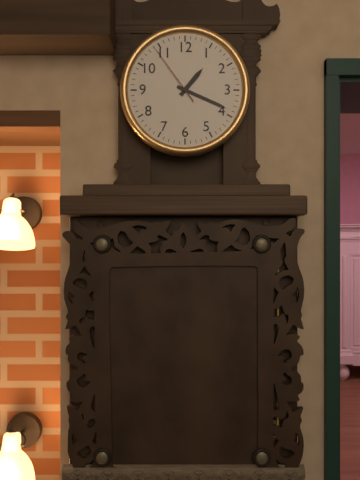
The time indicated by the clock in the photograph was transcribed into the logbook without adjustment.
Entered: 1:19:54
